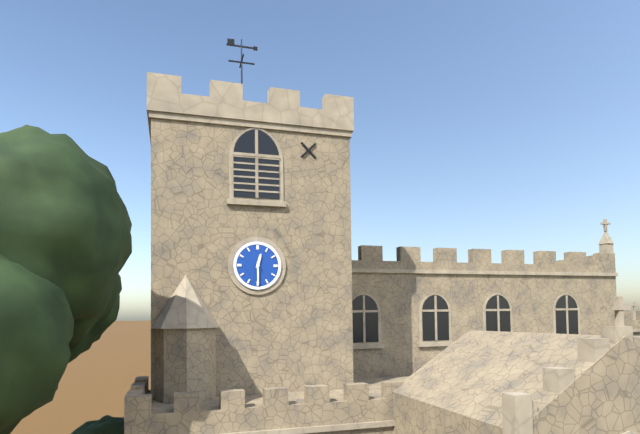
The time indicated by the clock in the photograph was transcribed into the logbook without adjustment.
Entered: 12:30
